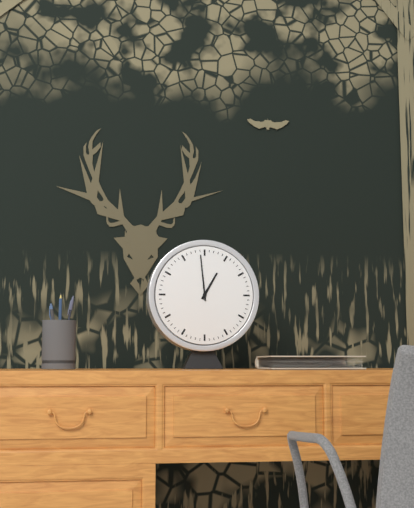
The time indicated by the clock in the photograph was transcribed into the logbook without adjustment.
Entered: 12:59
